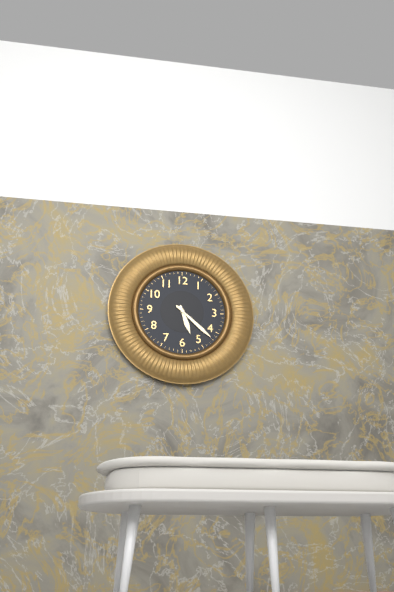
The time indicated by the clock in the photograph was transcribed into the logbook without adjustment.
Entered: 5:22
